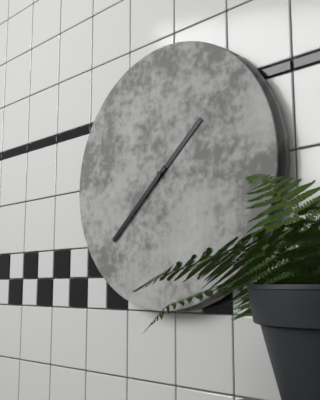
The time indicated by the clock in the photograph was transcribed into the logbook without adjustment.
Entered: 1:38
